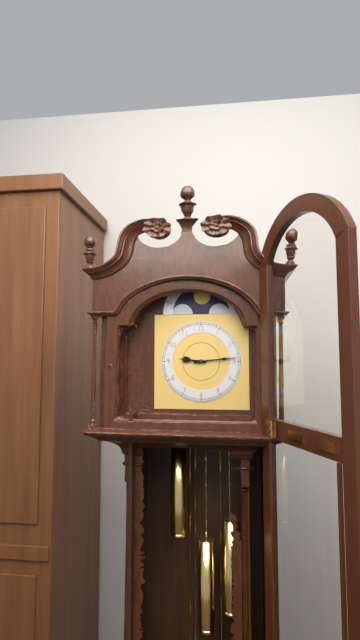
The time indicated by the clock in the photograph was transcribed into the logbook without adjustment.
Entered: 9:14
